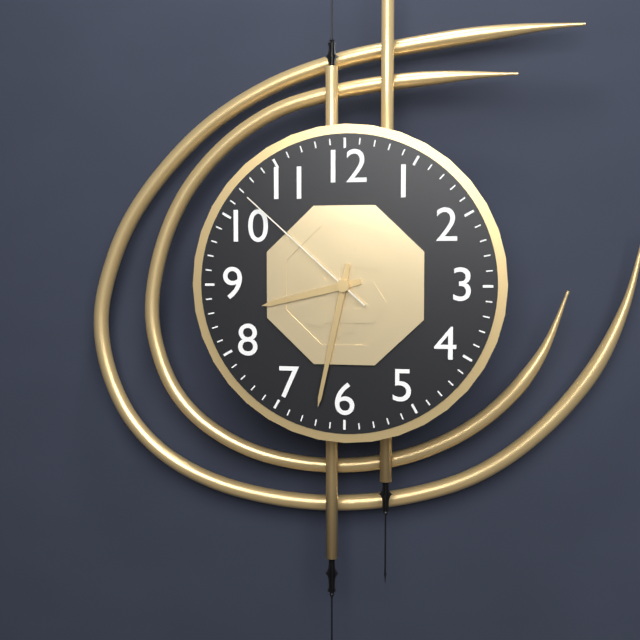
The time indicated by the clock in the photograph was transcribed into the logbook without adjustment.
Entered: 8:32:52
